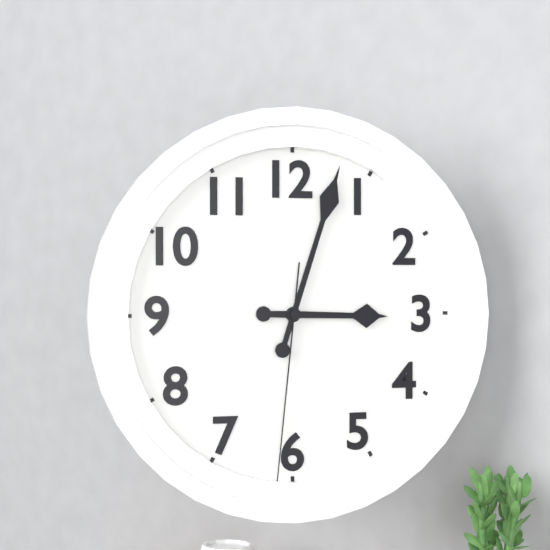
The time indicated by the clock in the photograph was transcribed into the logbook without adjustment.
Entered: 3:03:31
